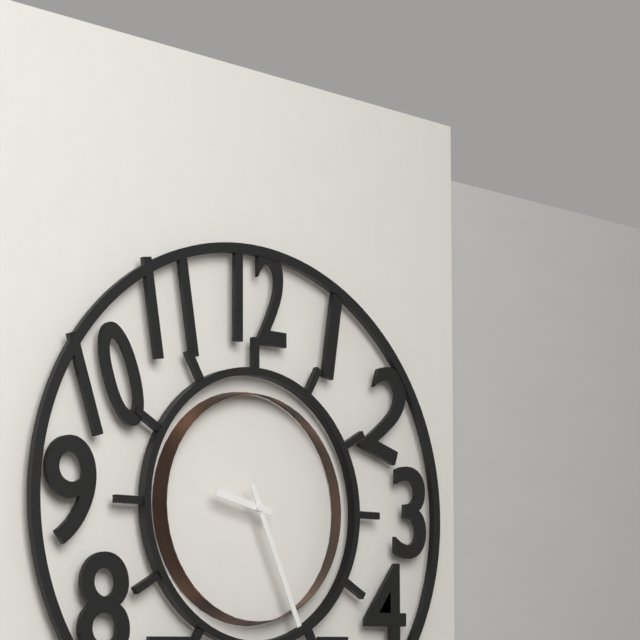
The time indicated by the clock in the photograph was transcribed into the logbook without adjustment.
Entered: 9:26
